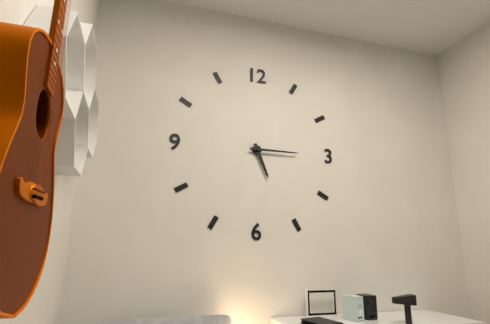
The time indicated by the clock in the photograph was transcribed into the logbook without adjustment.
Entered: 5:15
